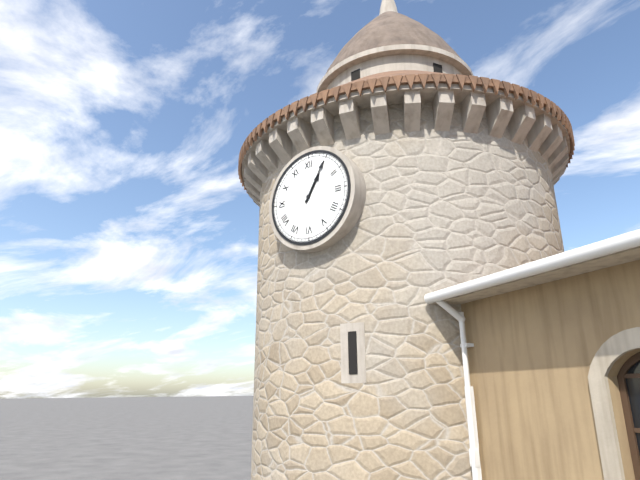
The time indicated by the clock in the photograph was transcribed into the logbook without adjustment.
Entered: 1:05
